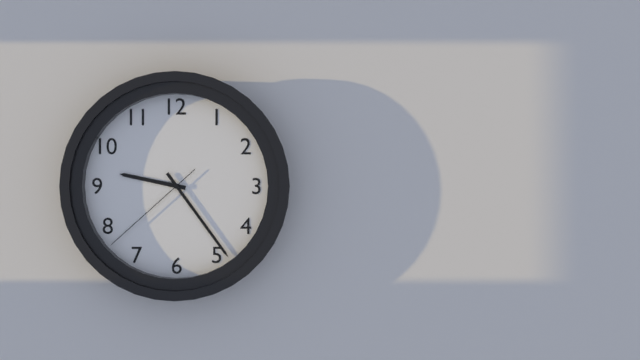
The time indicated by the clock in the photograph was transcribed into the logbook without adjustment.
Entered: 9:24:38
